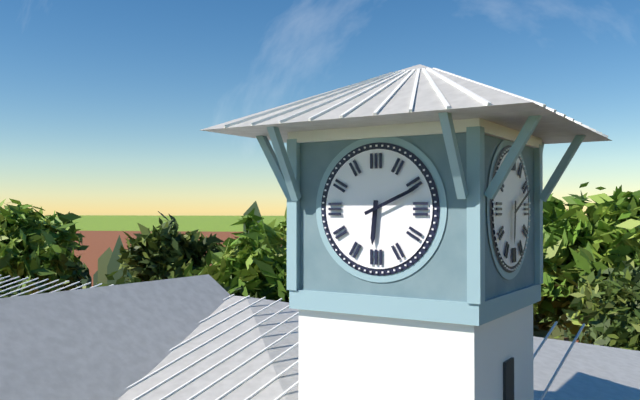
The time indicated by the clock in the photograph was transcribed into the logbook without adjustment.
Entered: 6:11
